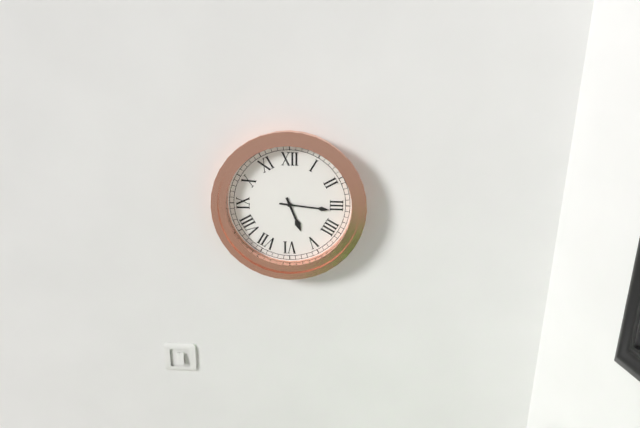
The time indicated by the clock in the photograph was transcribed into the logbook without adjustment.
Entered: 5:16
